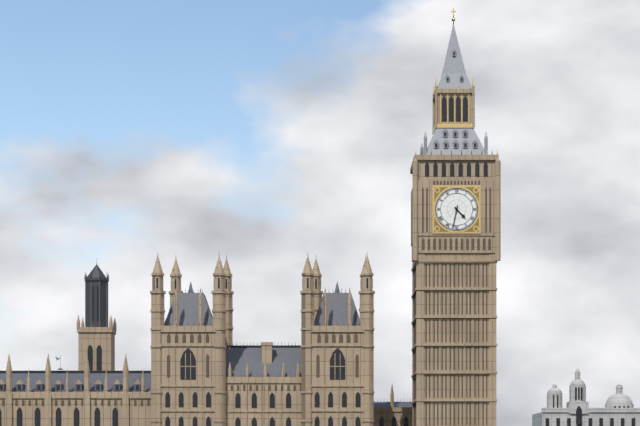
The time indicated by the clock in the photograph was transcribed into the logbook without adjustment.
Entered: 4:32
